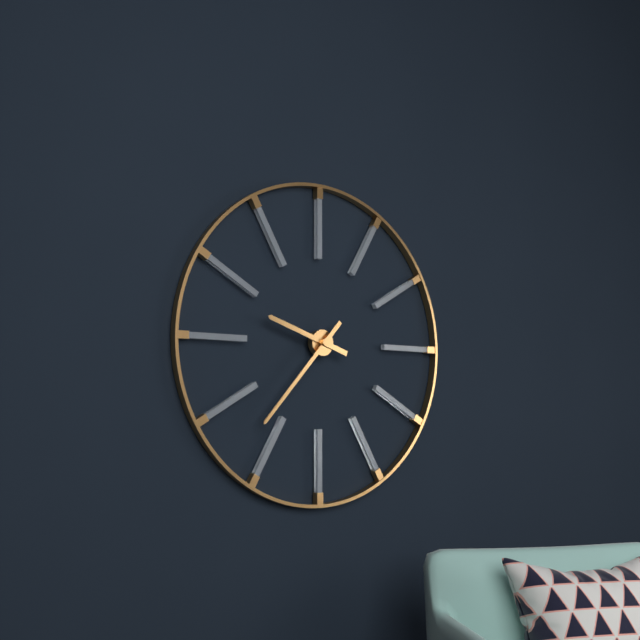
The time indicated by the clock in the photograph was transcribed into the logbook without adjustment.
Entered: 9:37
